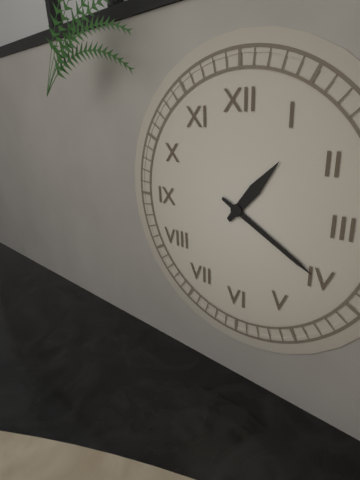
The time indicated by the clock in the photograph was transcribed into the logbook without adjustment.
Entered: 1:20
